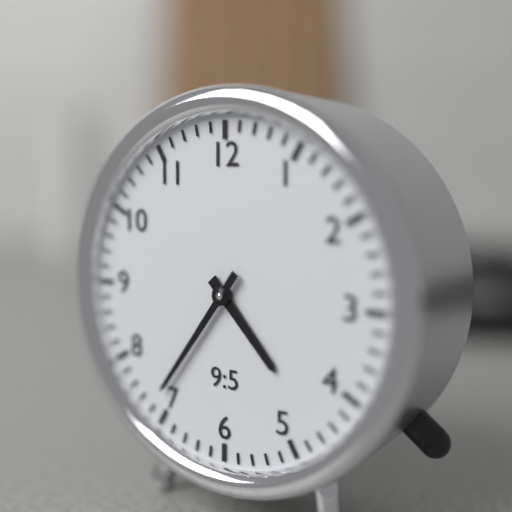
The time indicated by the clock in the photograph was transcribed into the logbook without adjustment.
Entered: 4:36
